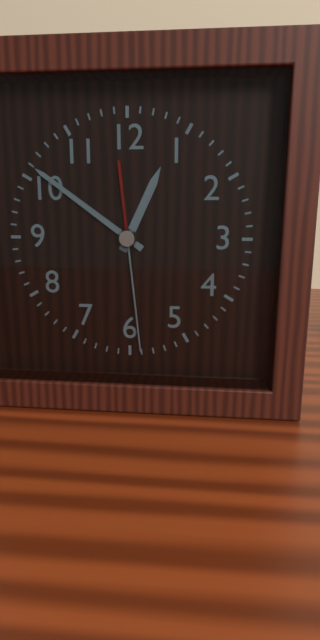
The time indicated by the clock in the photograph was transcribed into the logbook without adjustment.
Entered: 12:51:29
